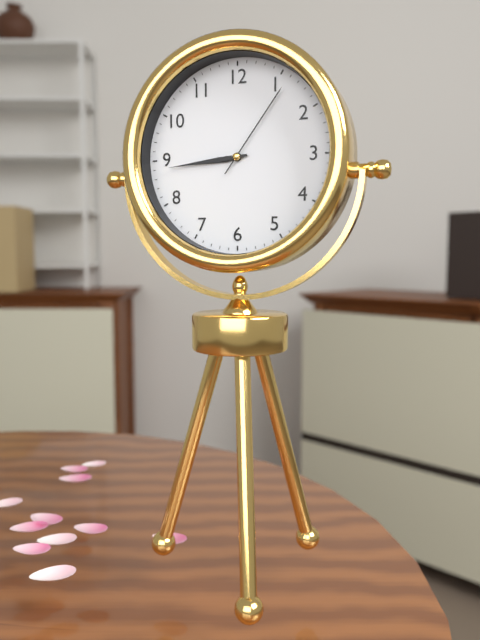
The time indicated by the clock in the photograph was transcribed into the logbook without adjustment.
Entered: 8:44:06
